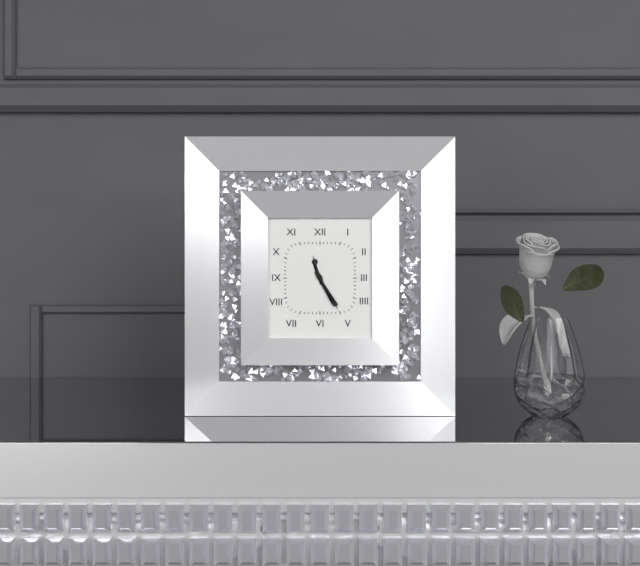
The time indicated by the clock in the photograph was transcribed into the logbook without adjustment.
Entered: 11:25
